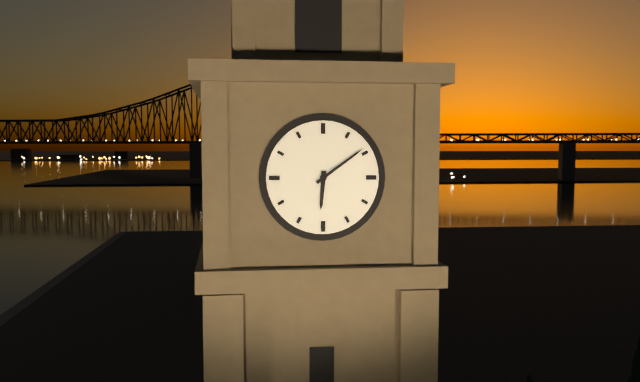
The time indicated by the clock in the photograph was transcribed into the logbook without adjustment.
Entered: 6:09
